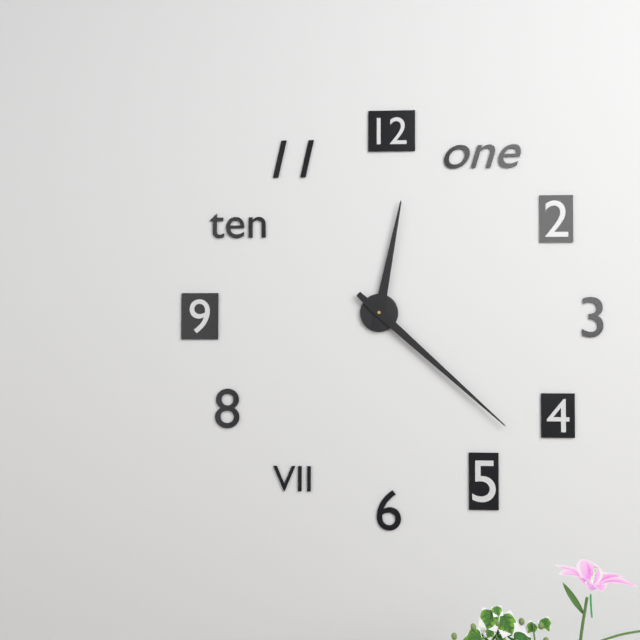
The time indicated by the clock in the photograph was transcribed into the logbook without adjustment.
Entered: 12:22
